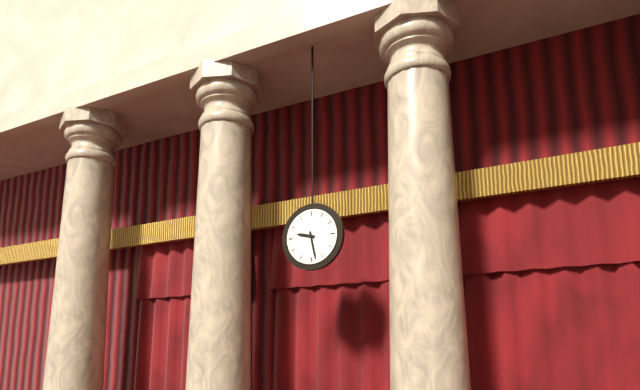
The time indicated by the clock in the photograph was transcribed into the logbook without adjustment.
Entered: 9:28
